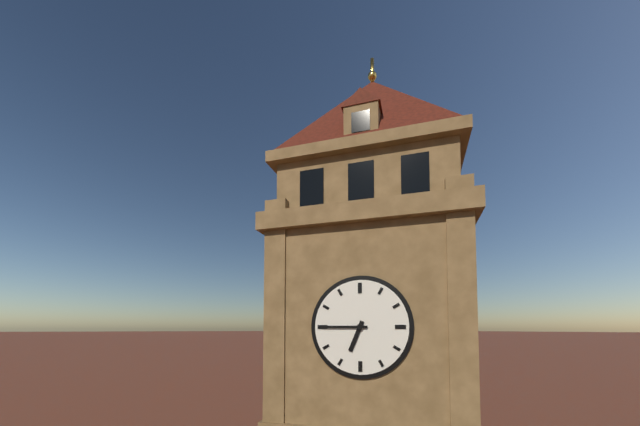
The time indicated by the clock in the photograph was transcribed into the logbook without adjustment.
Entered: 6:45
